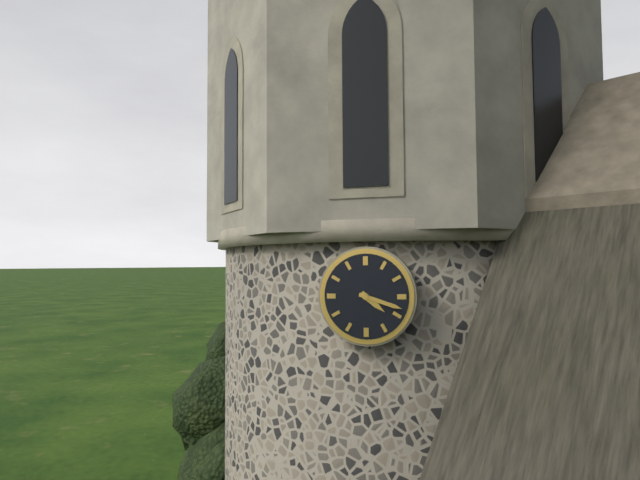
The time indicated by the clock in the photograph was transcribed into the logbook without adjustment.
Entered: 4:18
